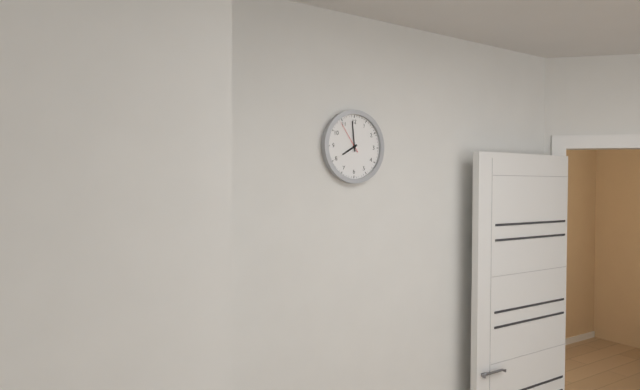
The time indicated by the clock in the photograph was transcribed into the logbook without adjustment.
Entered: 7:59
